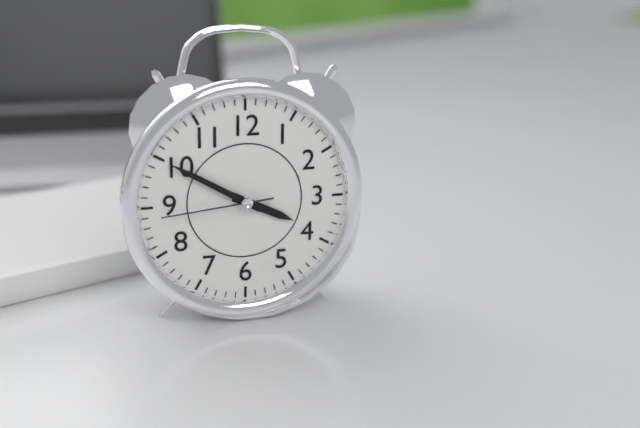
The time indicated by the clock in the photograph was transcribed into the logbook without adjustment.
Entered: 3:50:44
